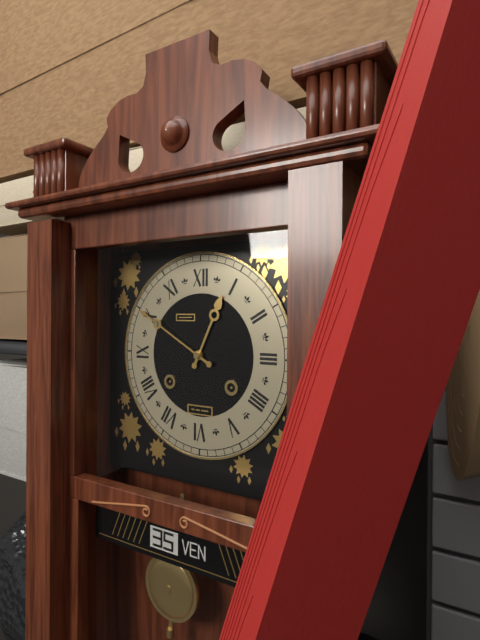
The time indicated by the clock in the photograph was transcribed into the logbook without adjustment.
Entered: 12:50
